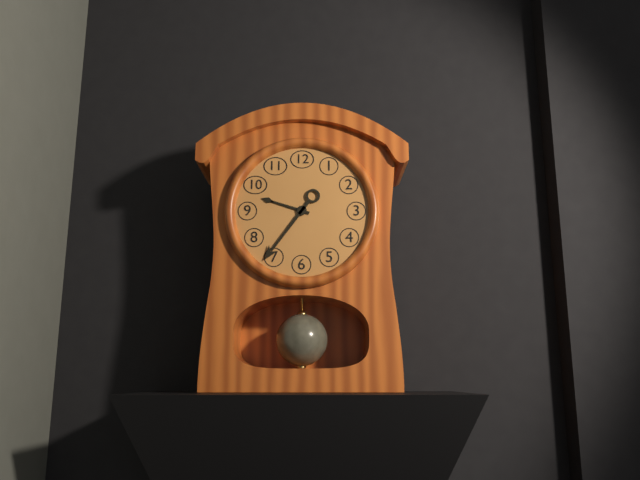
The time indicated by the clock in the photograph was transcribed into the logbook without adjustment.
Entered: 9:36
